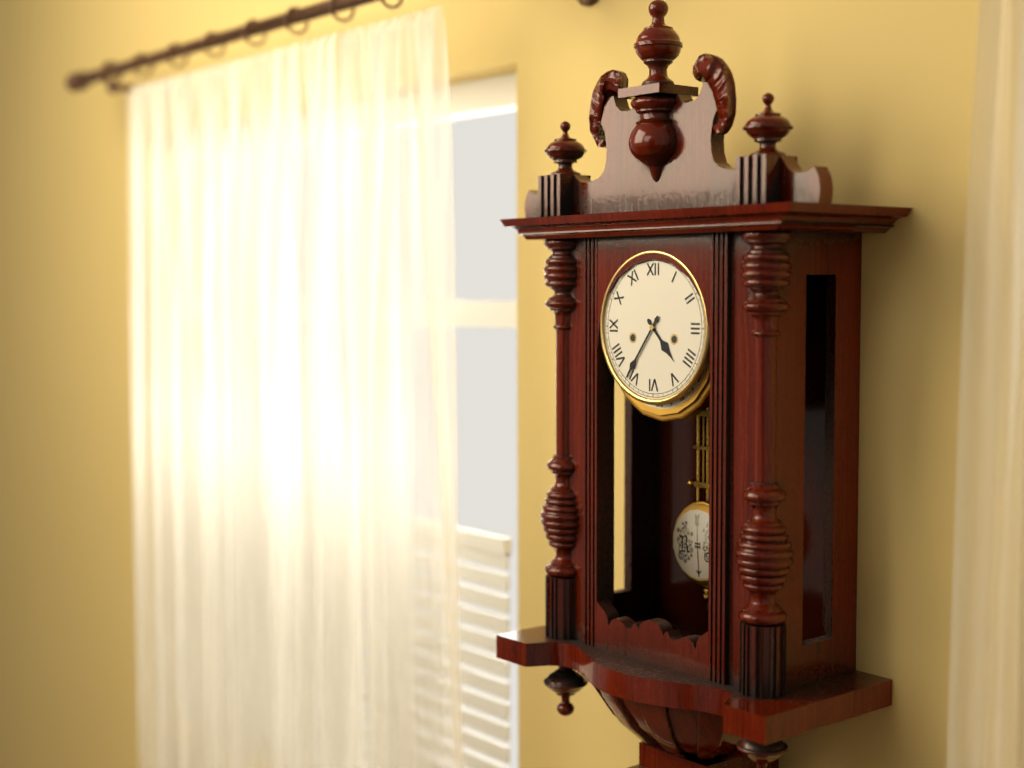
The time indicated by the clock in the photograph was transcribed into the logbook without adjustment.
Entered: 4:36
